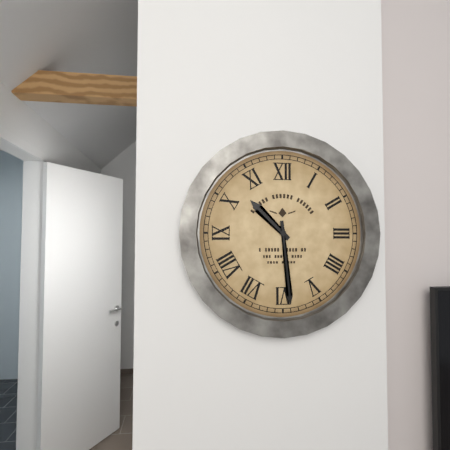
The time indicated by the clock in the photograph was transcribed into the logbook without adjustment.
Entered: 10:29
